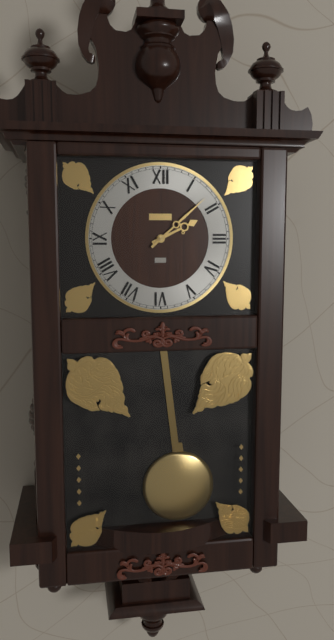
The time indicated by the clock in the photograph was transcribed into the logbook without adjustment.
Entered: 2:08
